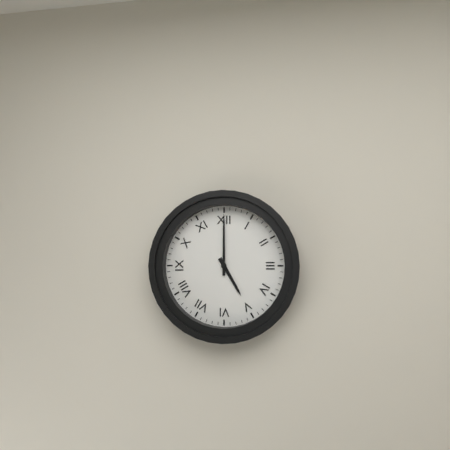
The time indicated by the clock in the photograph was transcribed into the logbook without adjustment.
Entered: 5:00
